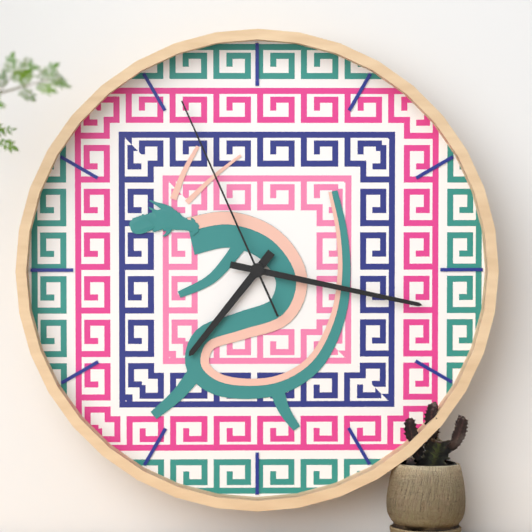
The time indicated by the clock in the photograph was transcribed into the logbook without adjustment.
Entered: 7:17:56
